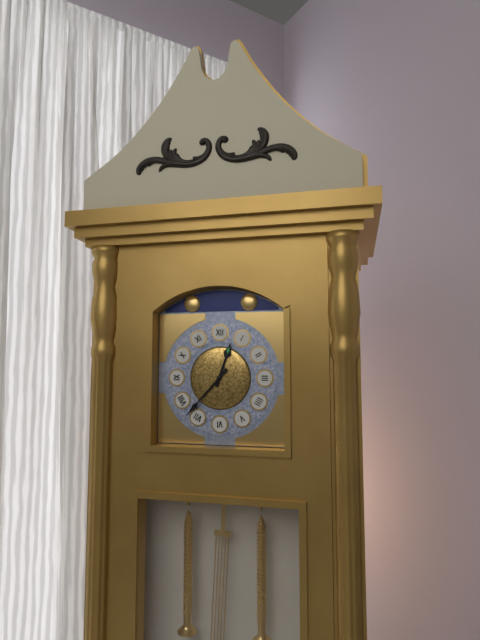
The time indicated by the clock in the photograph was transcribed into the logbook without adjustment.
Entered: 12:37
